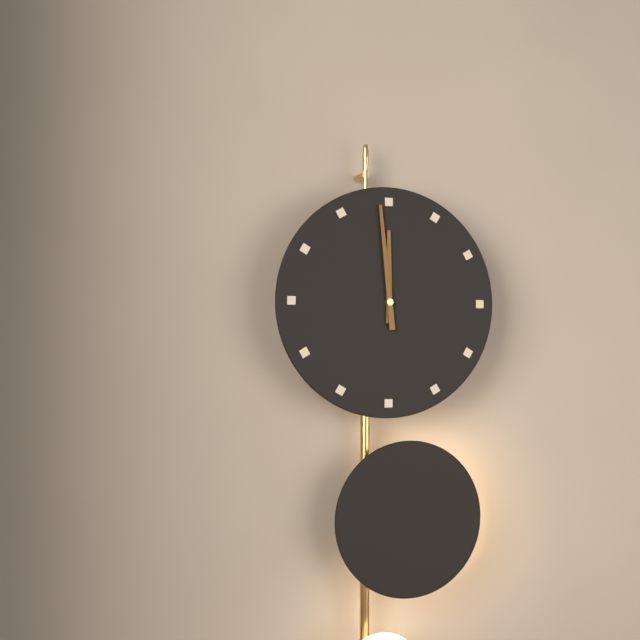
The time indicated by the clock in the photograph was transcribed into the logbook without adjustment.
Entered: 11:59
